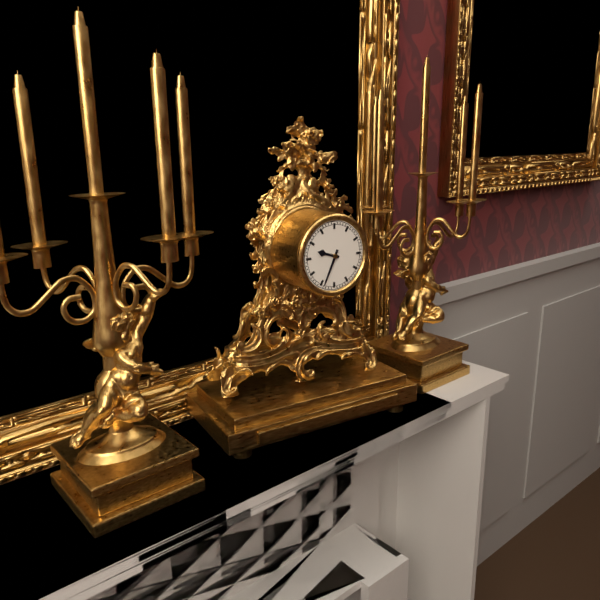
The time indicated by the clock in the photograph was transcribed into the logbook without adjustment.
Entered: 9:34
